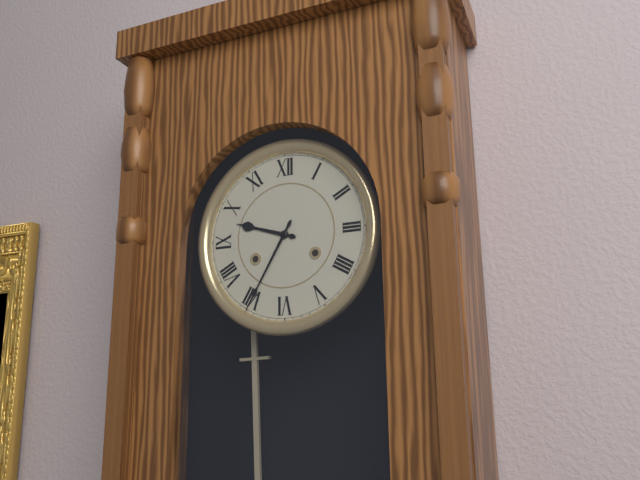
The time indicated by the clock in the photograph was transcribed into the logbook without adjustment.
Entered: 9:35
